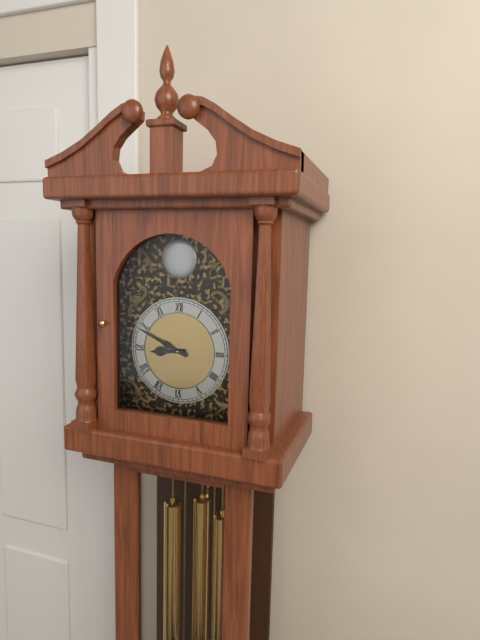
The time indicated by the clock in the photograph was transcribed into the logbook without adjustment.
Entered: 8:49
